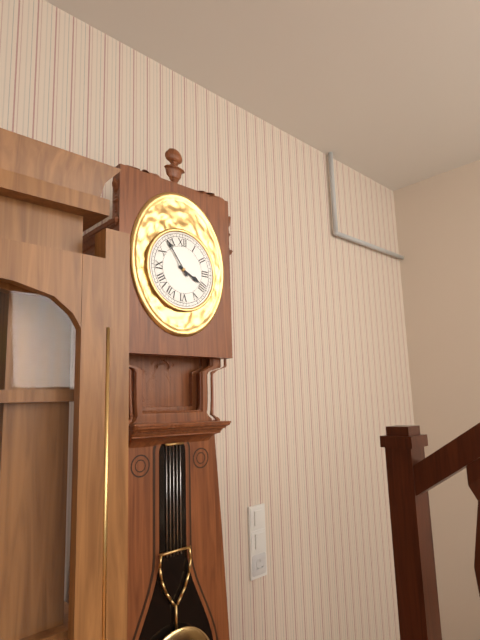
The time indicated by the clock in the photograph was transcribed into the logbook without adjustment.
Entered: 3:54
